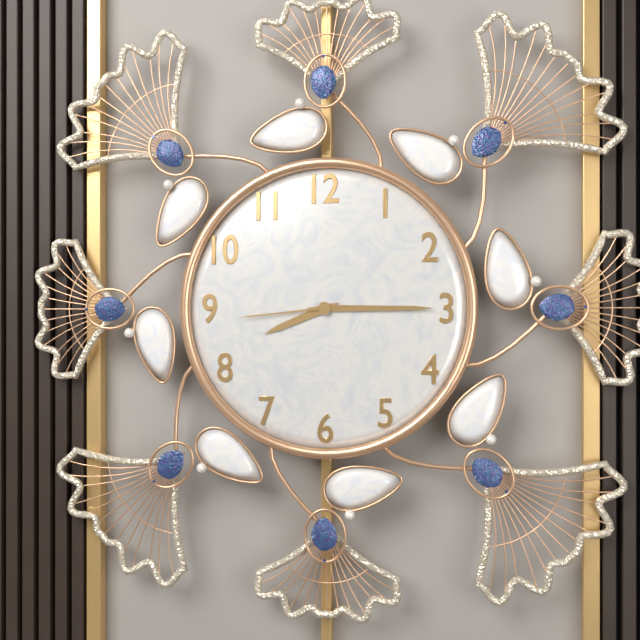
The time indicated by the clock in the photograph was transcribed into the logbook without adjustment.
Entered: 8:15:44
